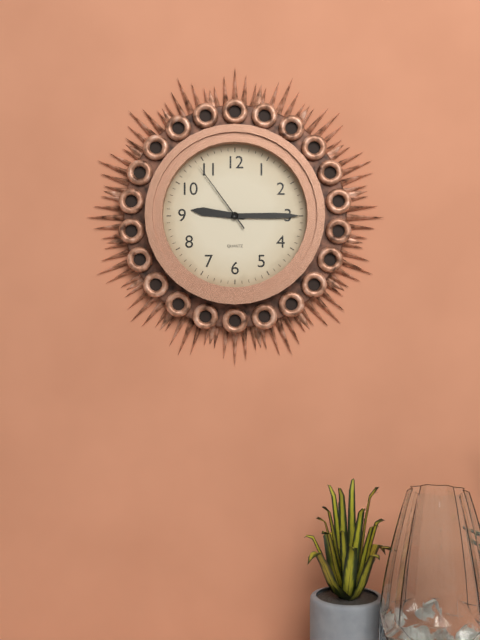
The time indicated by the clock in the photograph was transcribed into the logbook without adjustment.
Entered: 9:15:54
